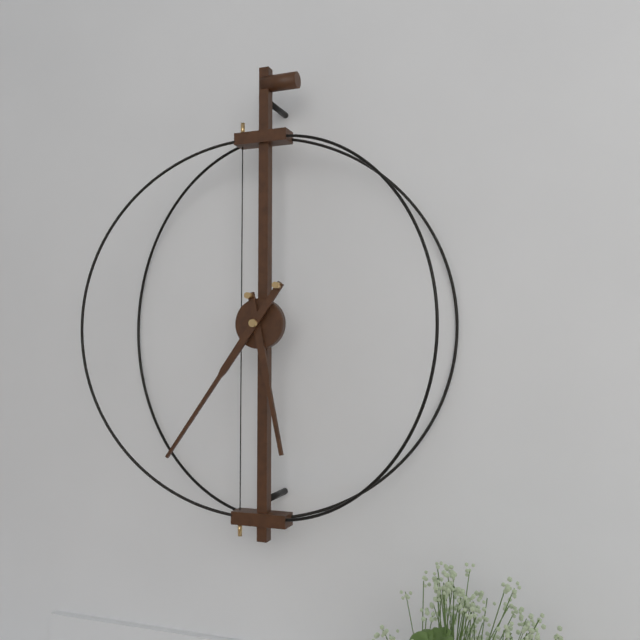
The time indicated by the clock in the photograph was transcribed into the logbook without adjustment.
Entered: 5:36
